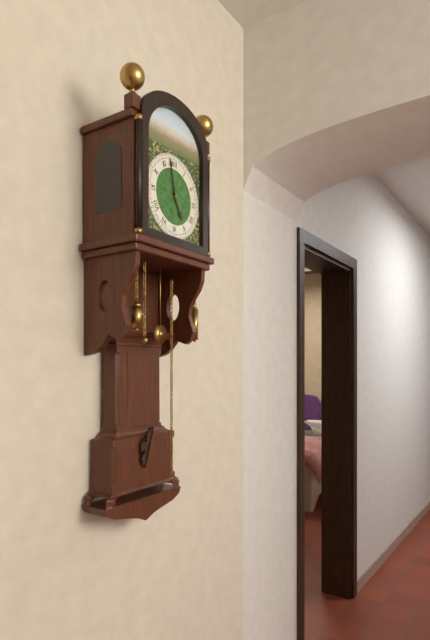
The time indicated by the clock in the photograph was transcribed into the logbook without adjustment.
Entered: 4:58
